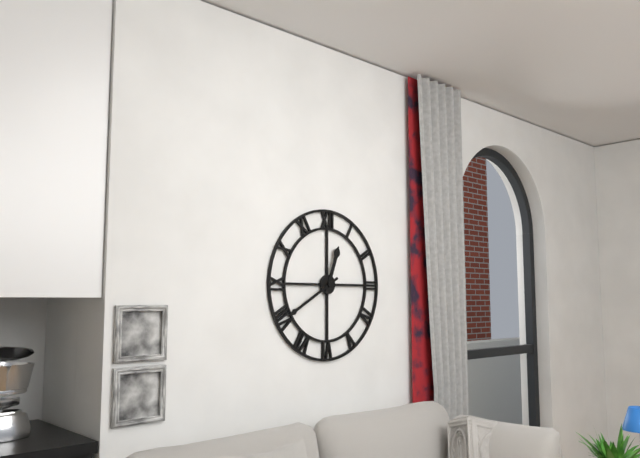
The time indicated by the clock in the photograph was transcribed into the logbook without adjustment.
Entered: 12:40
